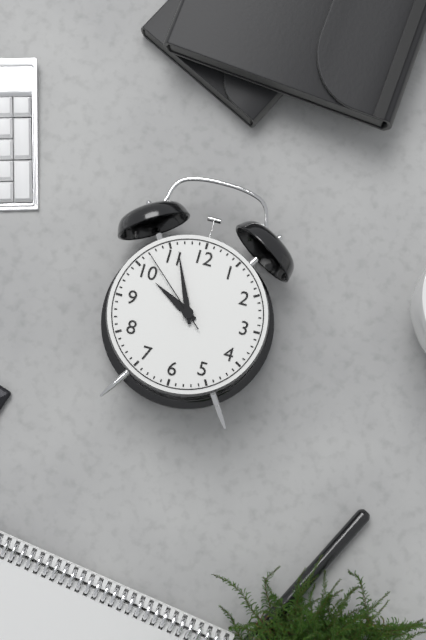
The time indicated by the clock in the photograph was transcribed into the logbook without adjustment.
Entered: 9:56:52
